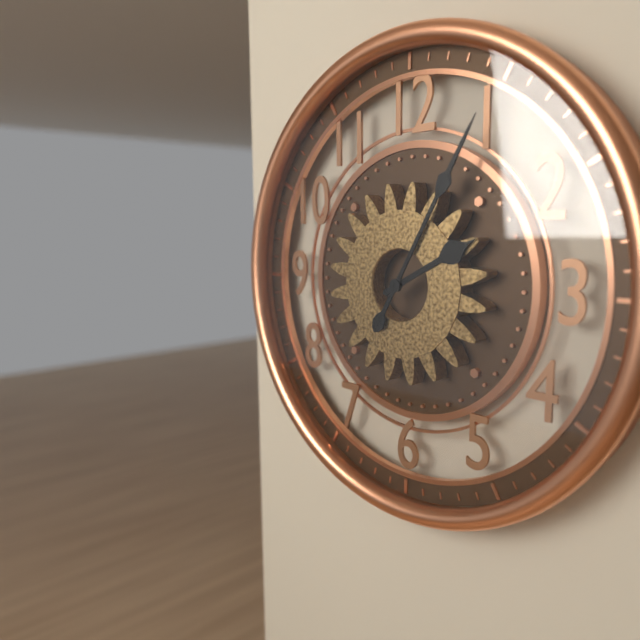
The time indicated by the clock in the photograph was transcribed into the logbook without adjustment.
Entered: 2:05
